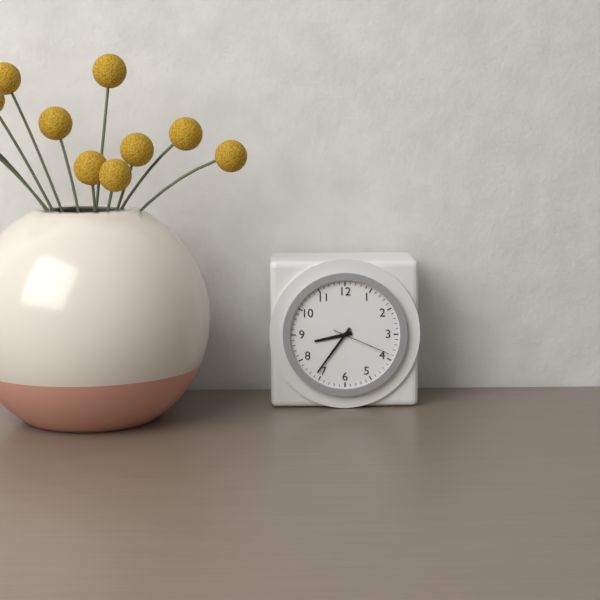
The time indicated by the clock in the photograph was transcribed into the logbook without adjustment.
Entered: 8:36:19
